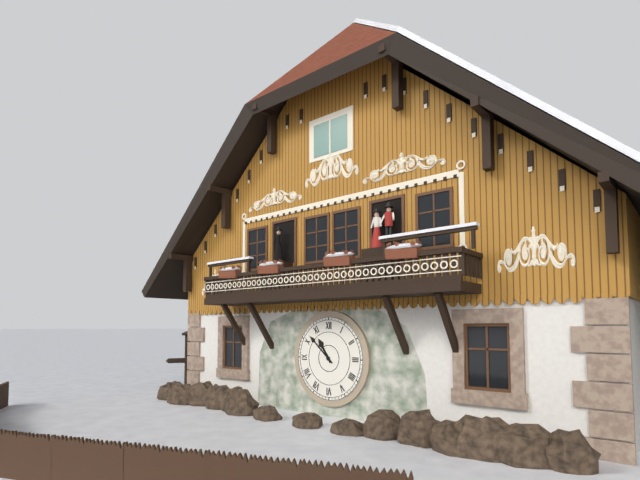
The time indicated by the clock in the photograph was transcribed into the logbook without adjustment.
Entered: 10:52
